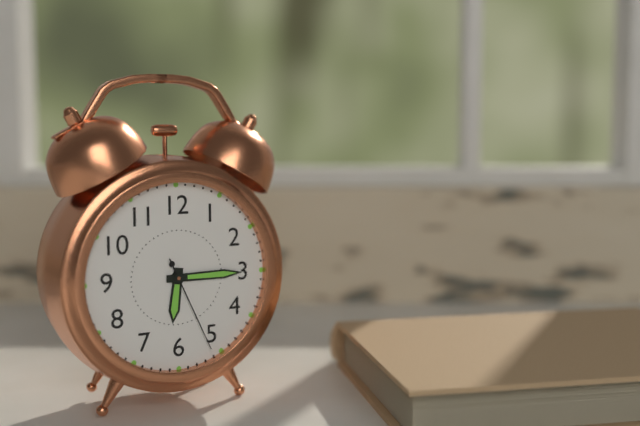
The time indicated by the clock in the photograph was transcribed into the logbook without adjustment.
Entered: 6:15:26
